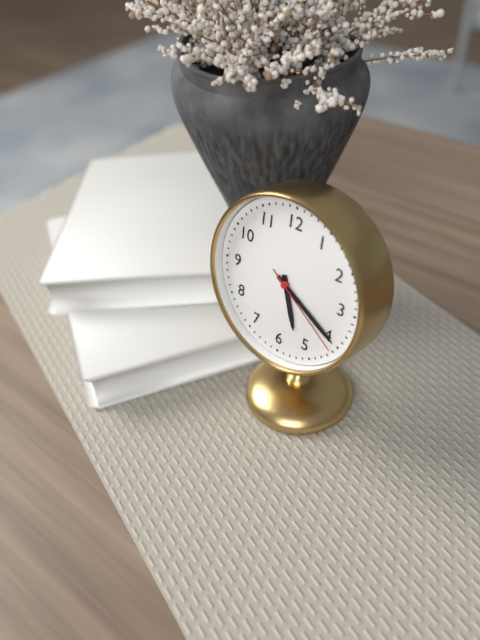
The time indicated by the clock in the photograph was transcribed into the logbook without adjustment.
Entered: 5:20:21
